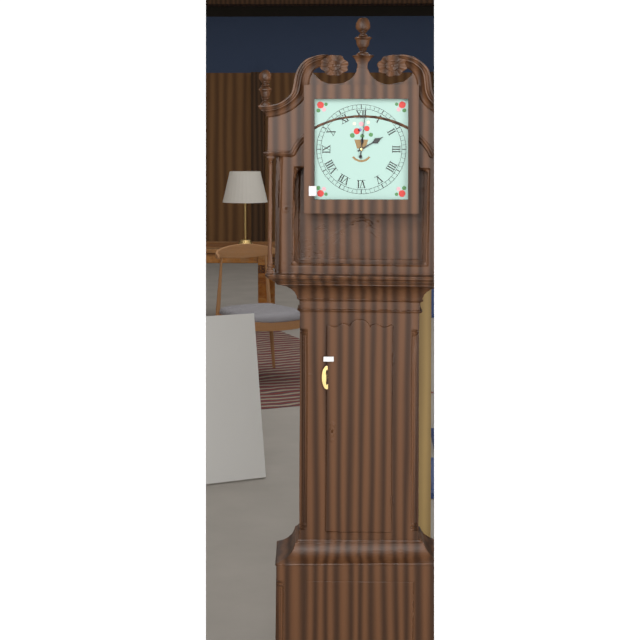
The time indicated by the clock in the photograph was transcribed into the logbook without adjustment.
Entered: 2:01
